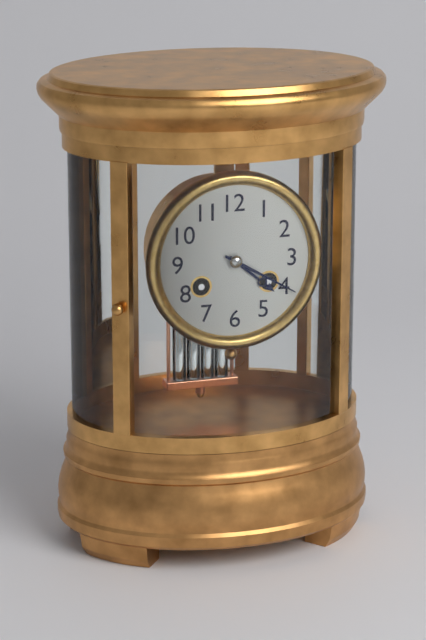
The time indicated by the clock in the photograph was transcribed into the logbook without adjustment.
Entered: 4:20
